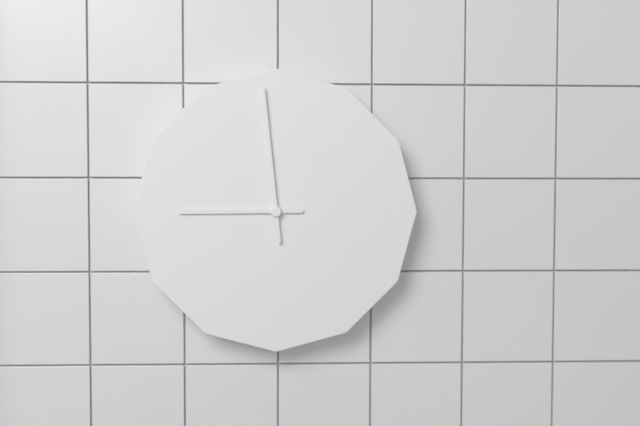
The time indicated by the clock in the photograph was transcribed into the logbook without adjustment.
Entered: 8:59
